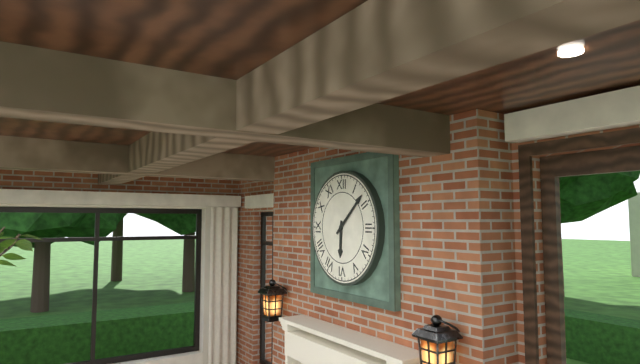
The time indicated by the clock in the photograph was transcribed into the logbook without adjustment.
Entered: 6:08
